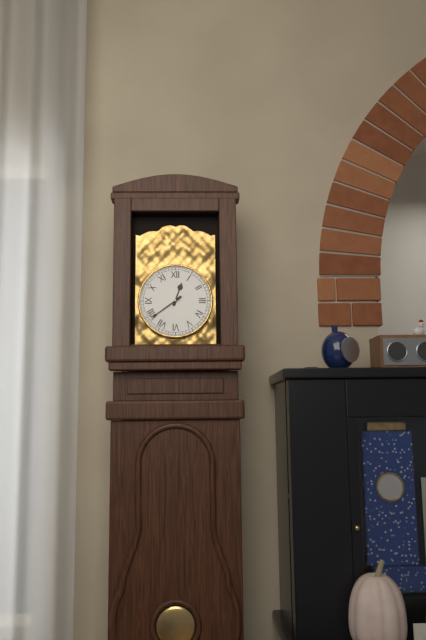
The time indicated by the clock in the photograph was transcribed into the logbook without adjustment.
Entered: 12:39
